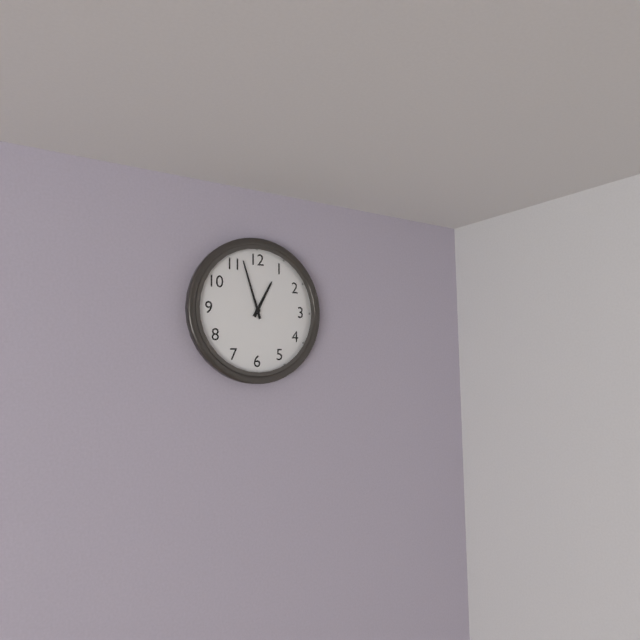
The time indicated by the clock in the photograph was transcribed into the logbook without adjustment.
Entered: 12:57
